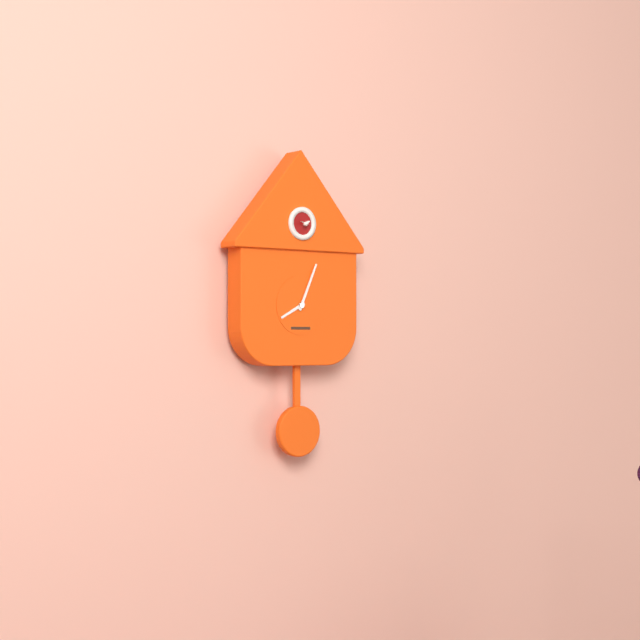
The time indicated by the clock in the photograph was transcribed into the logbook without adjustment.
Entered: 8:04
